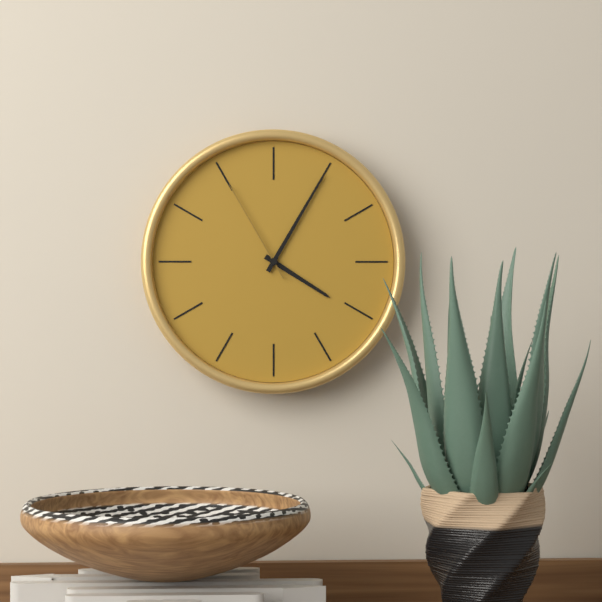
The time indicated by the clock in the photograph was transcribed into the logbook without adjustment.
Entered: 4:05:55
